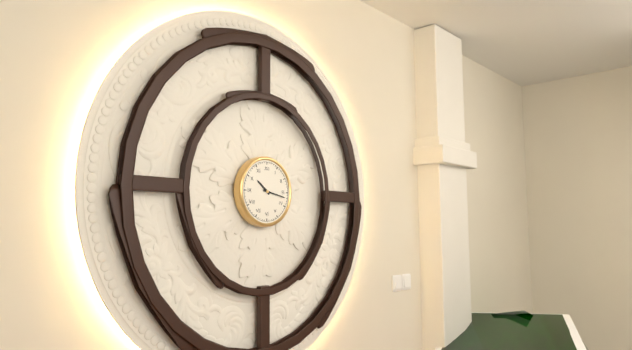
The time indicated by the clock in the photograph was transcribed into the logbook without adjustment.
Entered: 10:17
